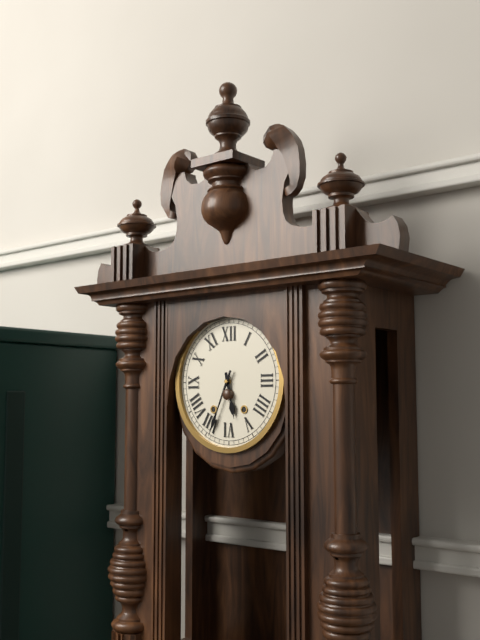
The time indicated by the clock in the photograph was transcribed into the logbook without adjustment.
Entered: 5:34
